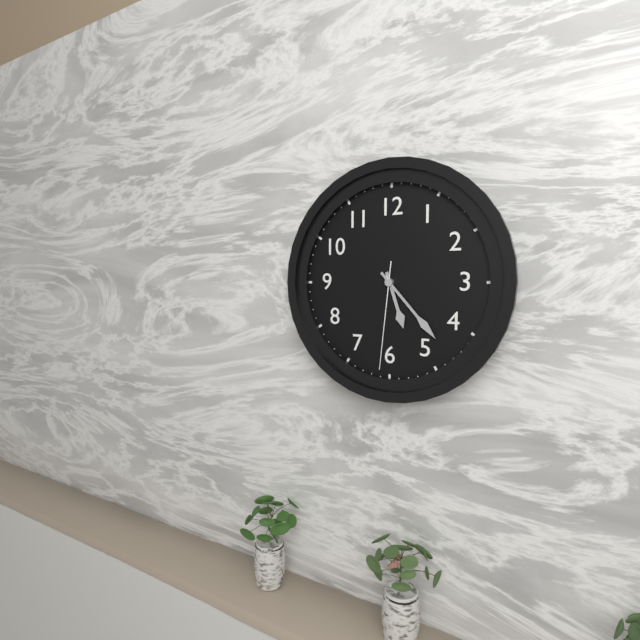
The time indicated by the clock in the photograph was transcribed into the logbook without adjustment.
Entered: 5:23:31
